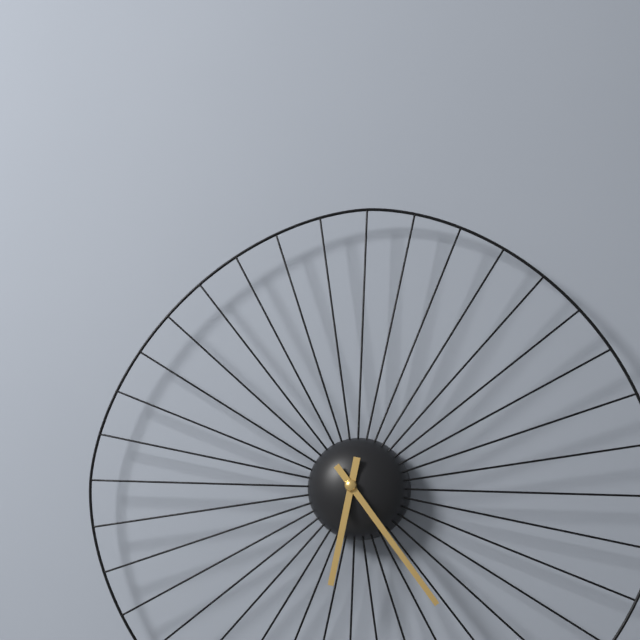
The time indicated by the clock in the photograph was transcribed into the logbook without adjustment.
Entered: 6:24
